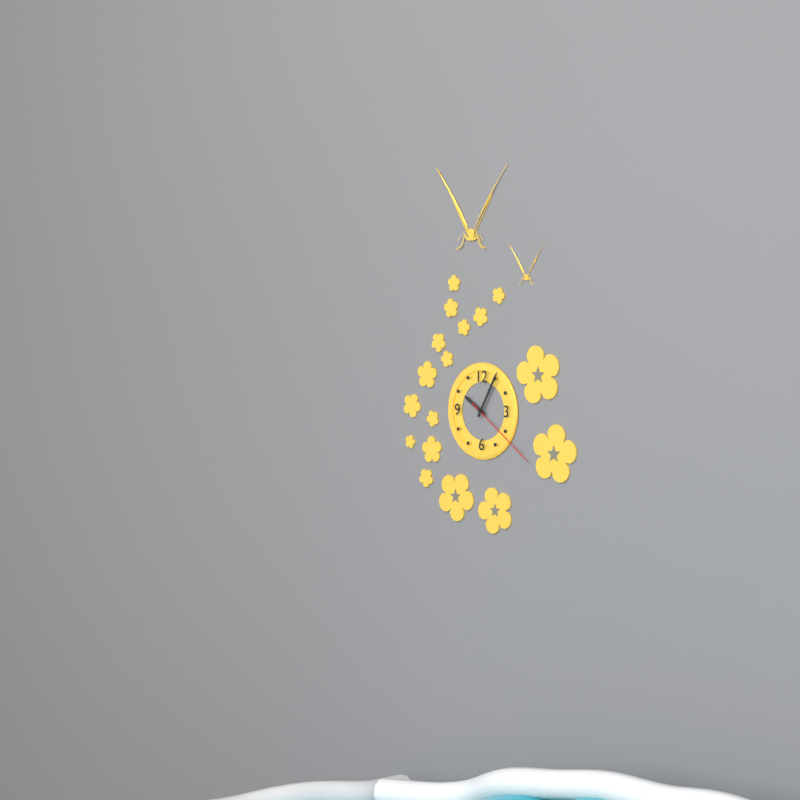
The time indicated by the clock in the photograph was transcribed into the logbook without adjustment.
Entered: 10:05:21
